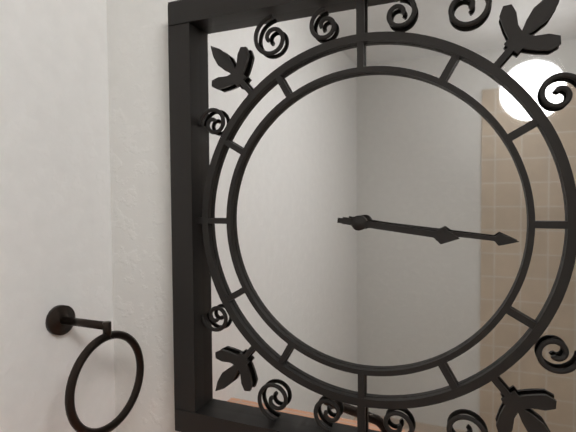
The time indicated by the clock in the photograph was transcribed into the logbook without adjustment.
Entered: 3:16
